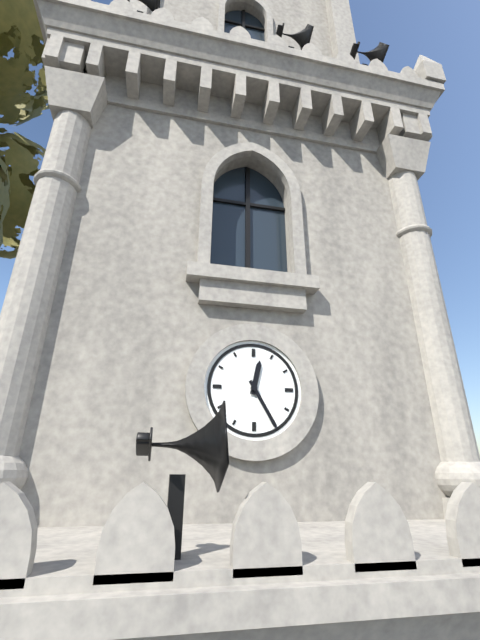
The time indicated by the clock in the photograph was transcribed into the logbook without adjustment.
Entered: 12:25
